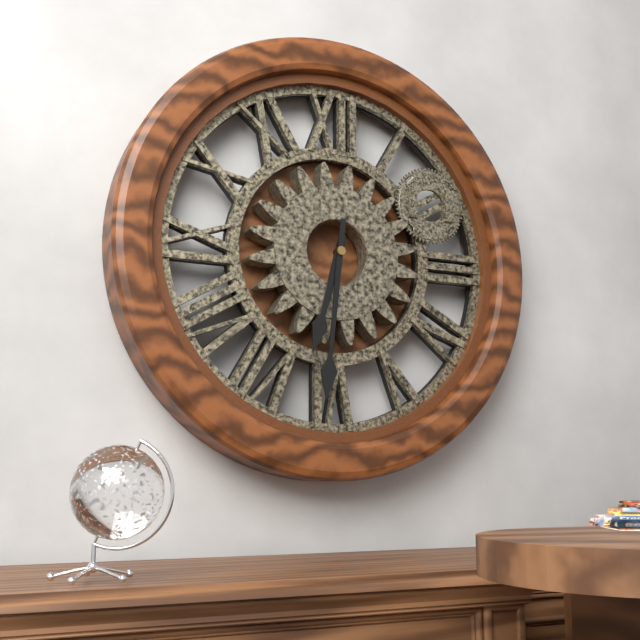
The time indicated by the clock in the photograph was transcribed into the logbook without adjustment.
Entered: 6:31
